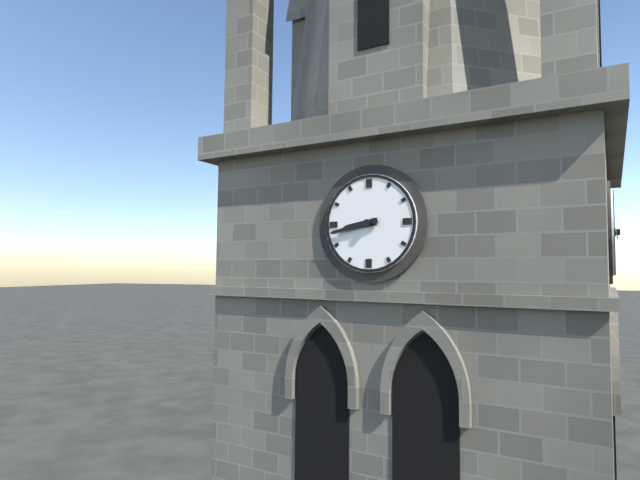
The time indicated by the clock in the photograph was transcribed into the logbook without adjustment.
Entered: 8:43
